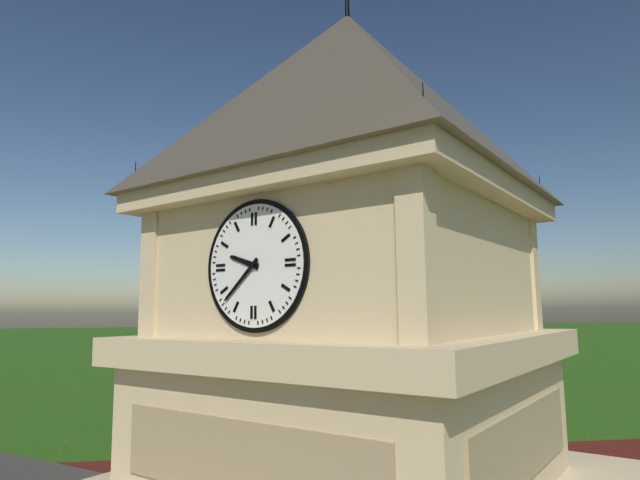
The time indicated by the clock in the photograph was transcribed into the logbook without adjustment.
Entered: 9:38
